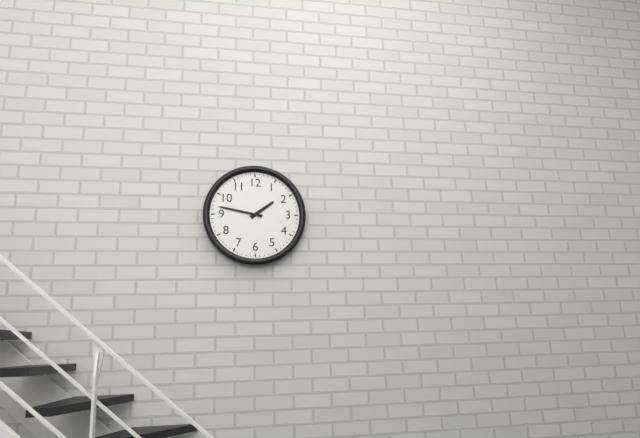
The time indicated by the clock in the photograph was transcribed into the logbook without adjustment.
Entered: 1:47
